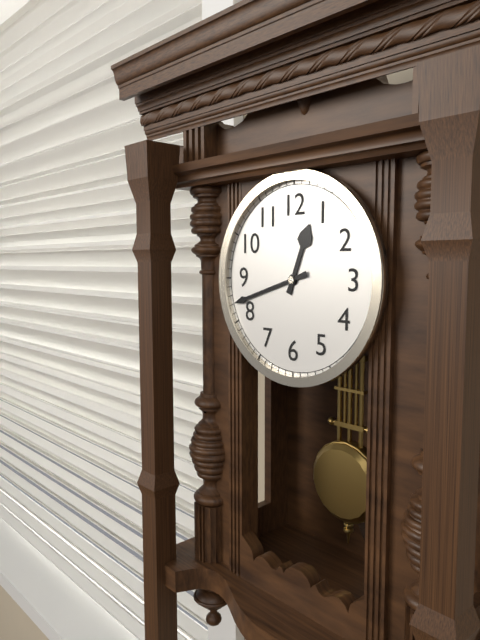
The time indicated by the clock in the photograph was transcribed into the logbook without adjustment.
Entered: 12:42
